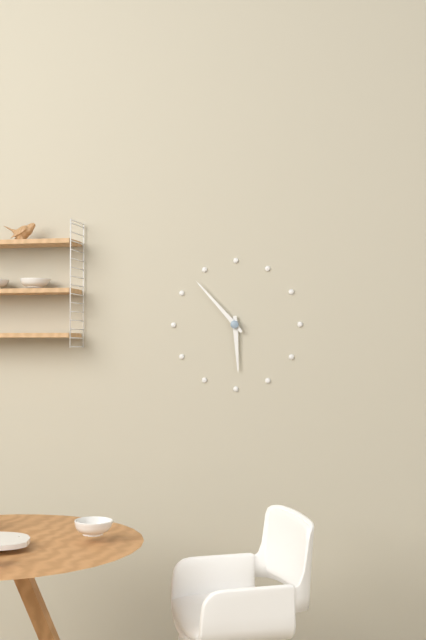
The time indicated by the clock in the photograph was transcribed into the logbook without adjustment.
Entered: 5:53
